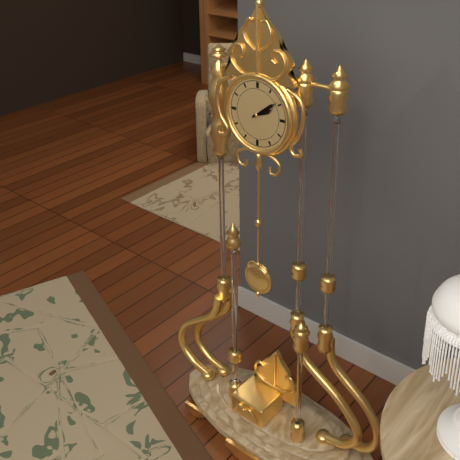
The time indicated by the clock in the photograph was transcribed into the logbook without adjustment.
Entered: 2:09
